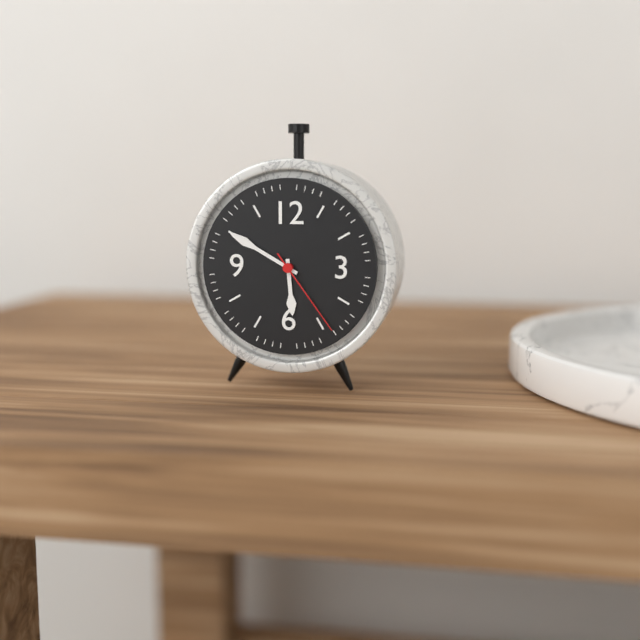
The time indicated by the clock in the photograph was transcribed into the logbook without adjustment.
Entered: 5:50:24
